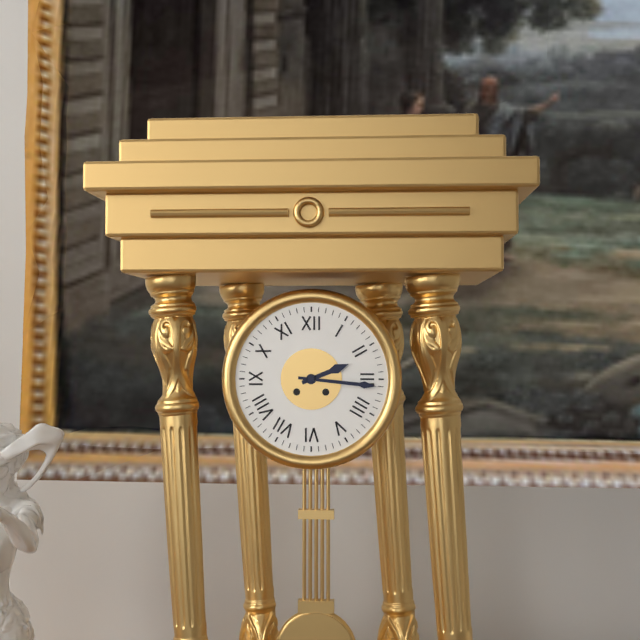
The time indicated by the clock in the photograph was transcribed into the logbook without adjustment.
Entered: 2:16
